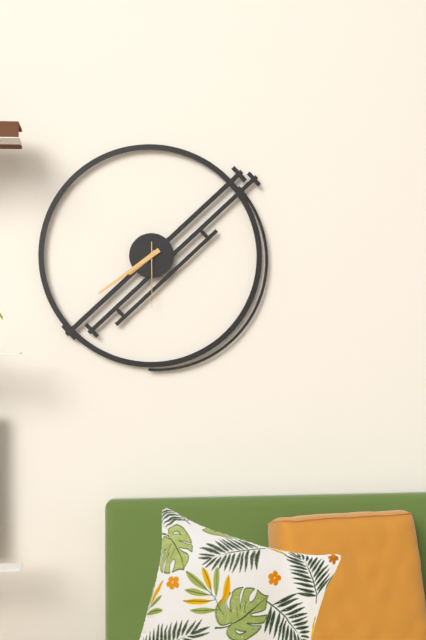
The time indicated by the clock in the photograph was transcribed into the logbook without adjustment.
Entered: 7:39:30
